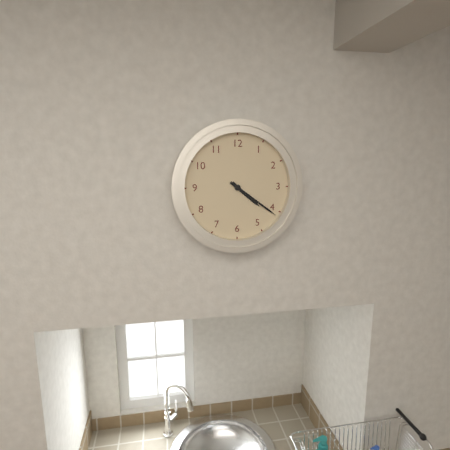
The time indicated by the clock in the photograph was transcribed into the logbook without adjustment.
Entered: 4:21
